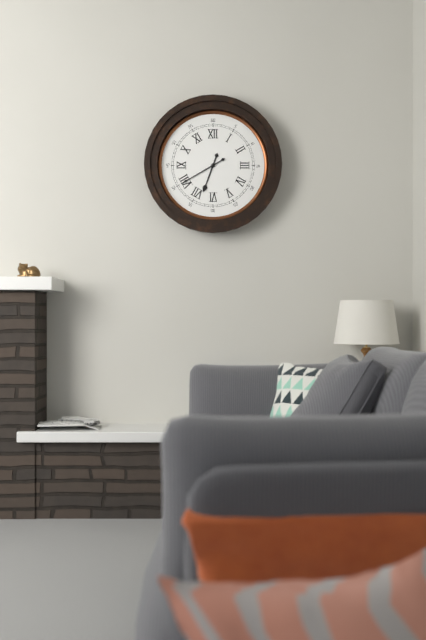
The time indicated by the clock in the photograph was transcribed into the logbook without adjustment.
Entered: 6:40
